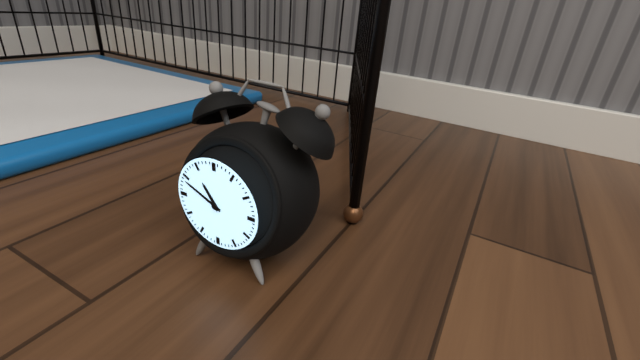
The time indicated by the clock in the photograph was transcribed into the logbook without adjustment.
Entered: 10:49
